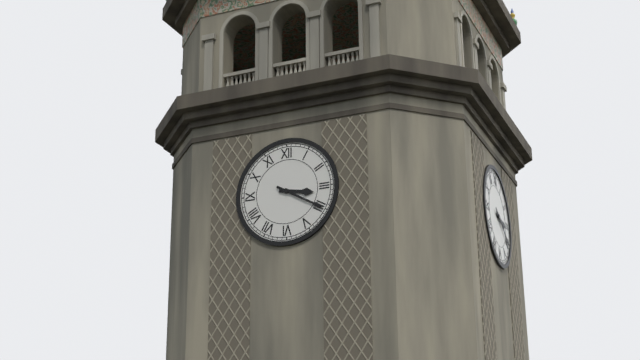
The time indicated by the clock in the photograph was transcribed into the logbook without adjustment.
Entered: 3:20
